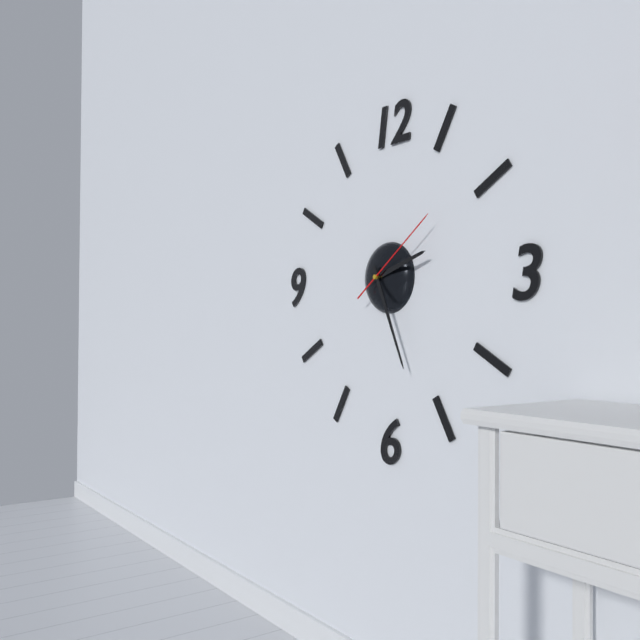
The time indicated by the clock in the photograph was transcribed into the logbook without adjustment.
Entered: 2:26:09
